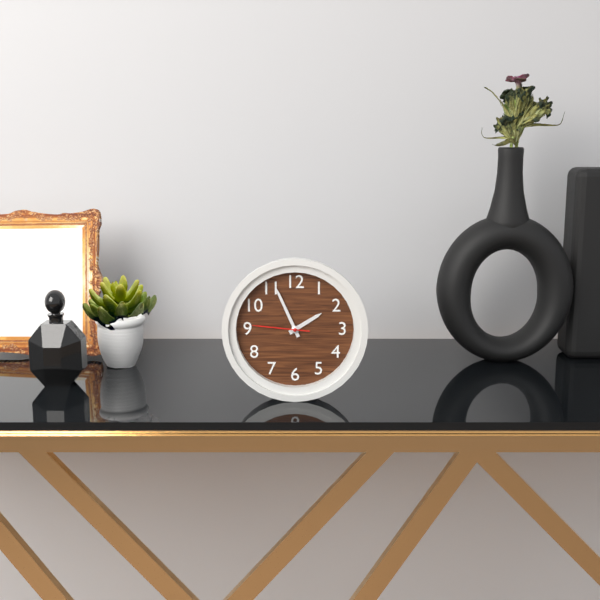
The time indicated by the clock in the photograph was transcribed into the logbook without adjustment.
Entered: 1:56:46
